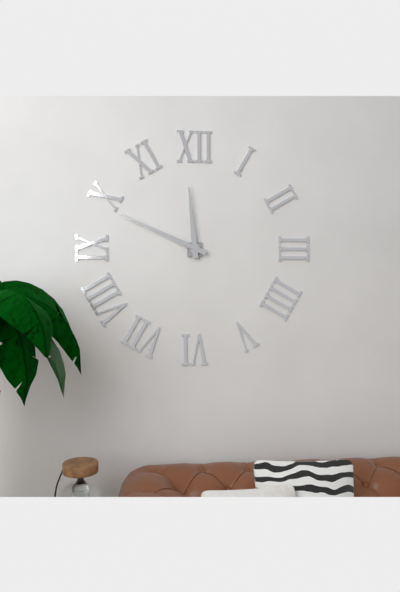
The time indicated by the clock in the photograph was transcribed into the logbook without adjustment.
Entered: 11:49
